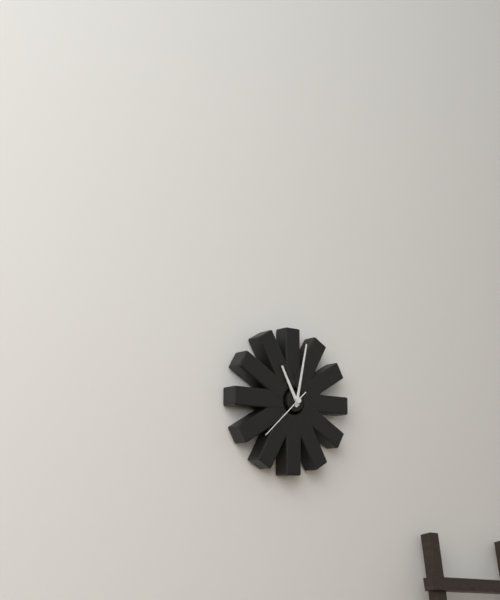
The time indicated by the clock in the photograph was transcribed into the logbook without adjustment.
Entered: 11:02:38
